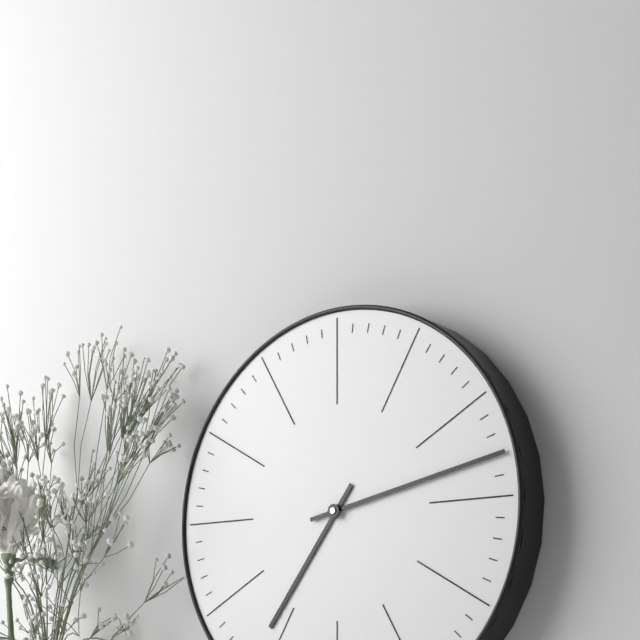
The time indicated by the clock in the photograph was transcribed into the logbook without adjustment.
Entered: 7:13
